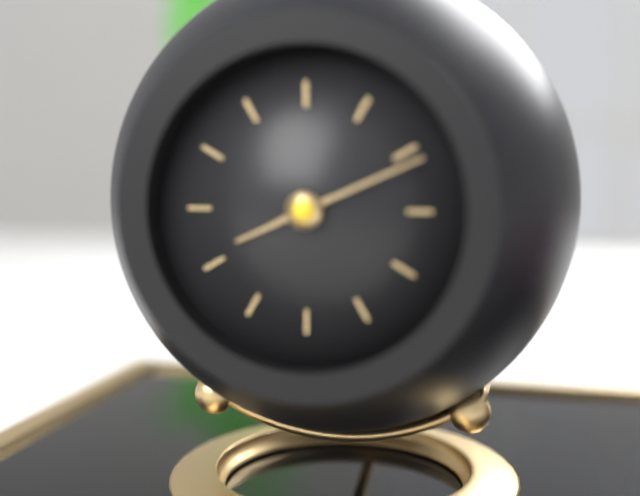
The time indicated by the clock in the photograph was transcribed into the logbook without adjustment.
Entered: 8:11
